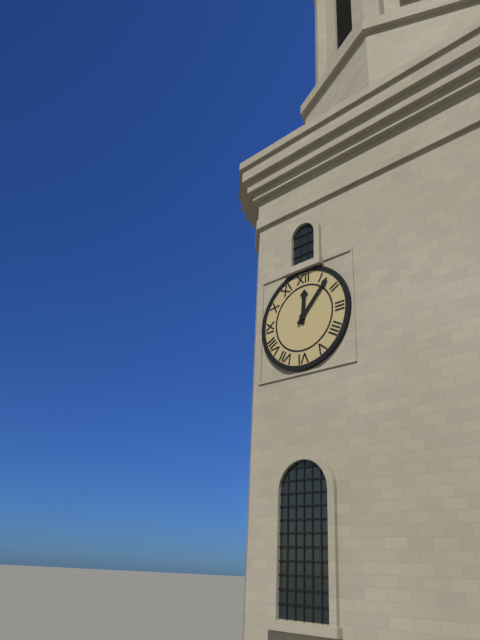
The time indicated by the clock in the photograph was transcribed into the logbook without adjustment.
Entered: 12:07
